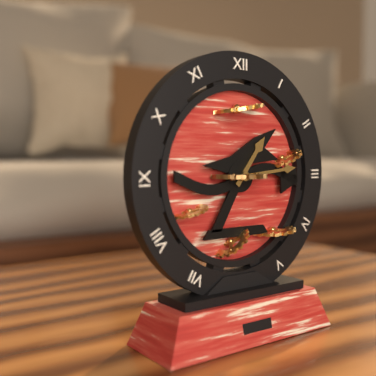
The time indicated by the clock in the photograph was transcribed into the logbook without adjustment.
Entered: 1:14
